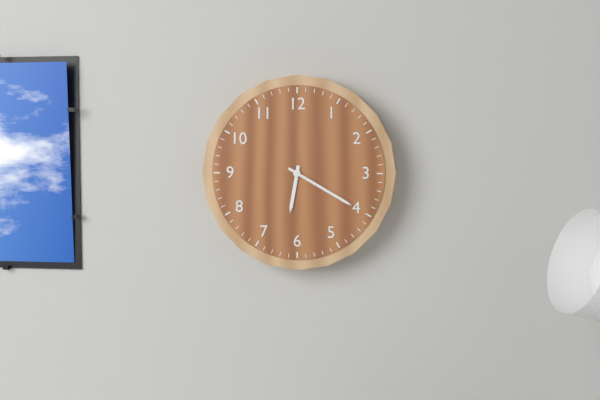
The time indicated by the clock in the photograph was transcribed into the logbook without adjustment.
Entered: 6:20
